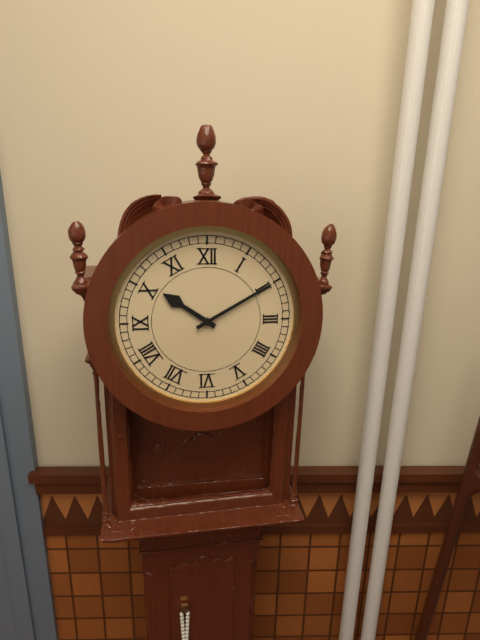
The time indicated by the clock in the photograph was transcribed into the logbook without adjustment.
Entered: 10:10
